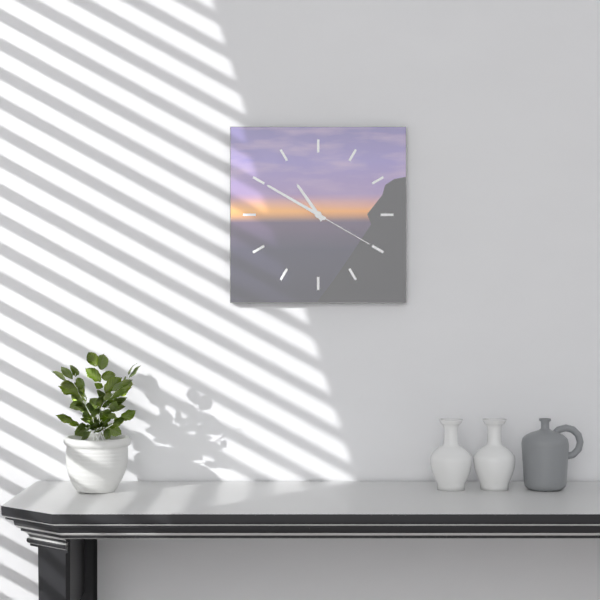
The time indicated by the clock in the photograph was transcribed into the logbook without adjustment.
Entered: 10:50:20
